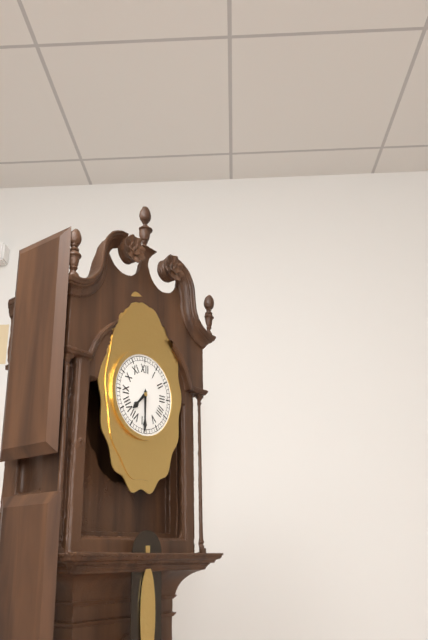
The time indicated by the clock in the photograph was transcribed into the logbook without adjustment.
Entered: 7:30
